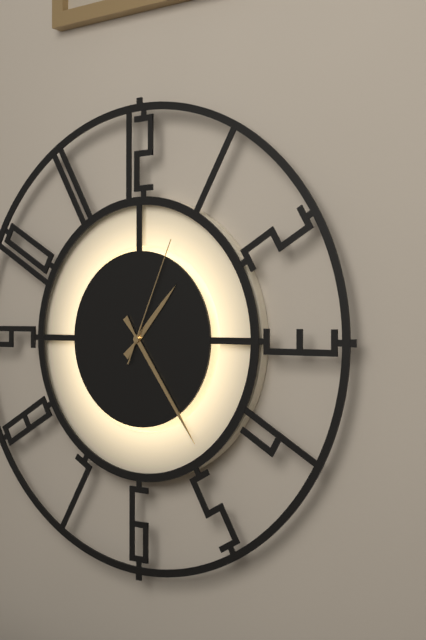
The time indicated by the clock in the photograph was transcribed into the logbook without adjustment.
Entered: 1:24:04
